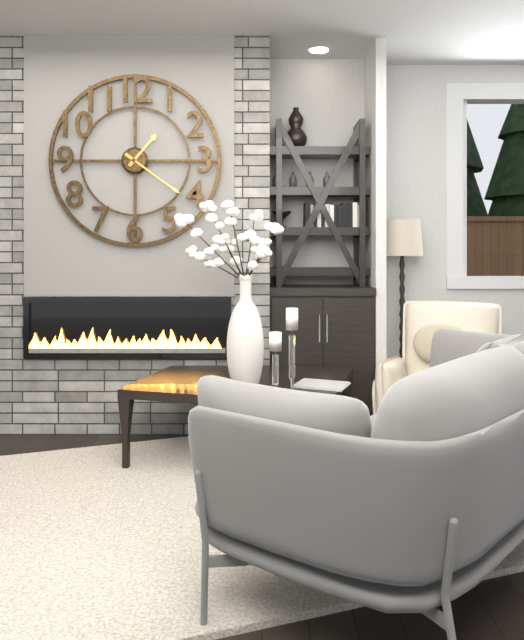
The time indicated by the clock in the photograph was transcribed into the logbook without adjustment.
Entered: 1:21
